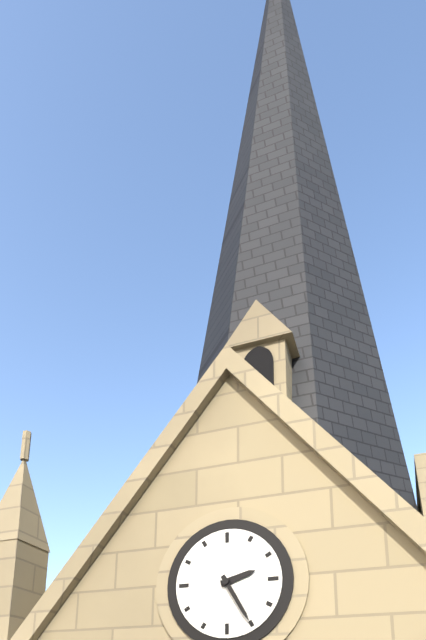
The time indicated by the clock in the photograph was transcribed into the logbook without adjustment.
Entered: 2:25
